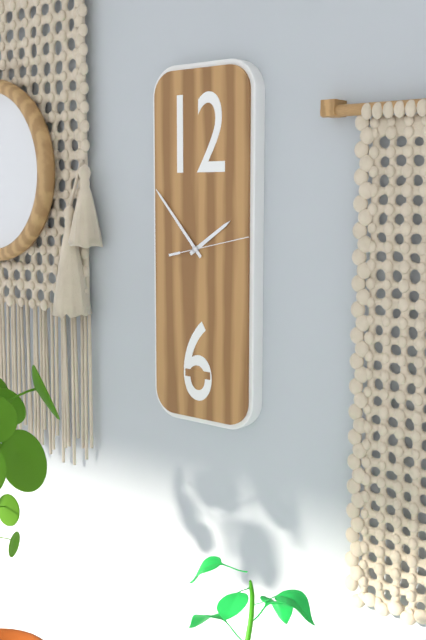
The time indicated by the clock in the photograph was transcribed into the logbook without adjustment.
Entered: 1:53:13
